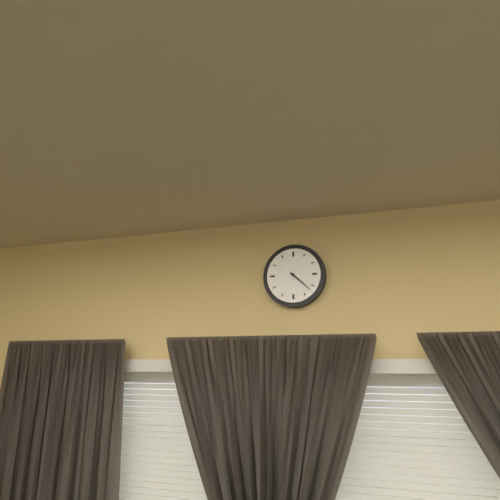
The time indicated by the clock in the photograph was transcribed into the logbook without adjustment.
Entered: 4:22
